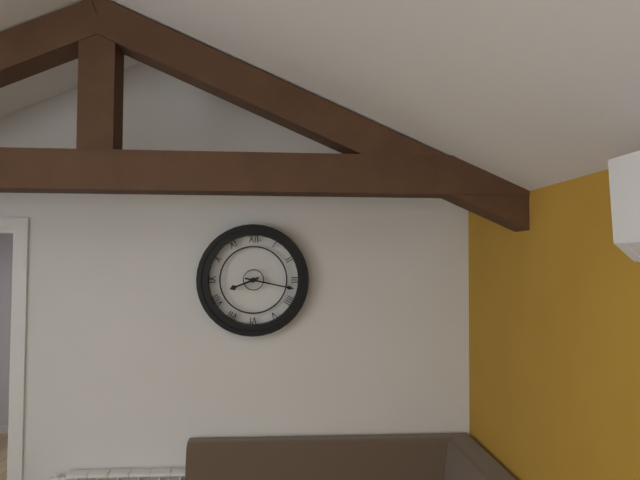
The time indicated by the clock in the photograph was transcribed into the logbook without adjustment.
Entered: 8:17
